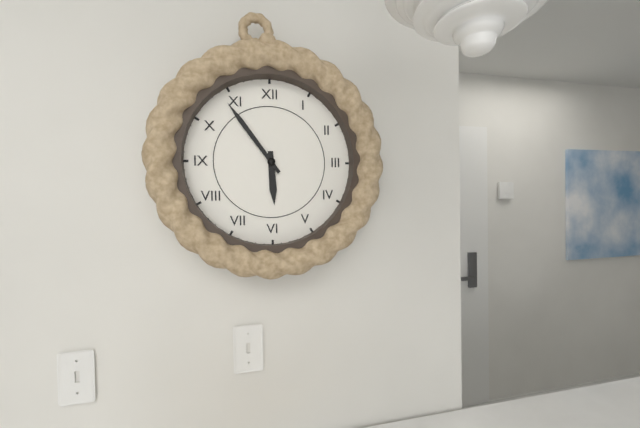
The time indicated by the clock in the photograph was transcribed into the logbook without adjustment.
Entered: 5:54
